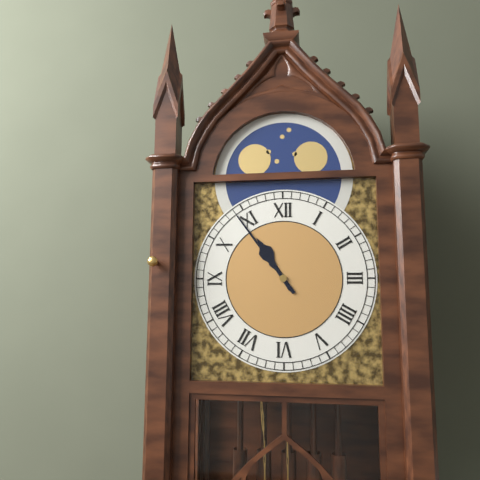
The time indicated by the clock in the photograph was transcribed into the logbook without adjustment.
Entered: 10:54
